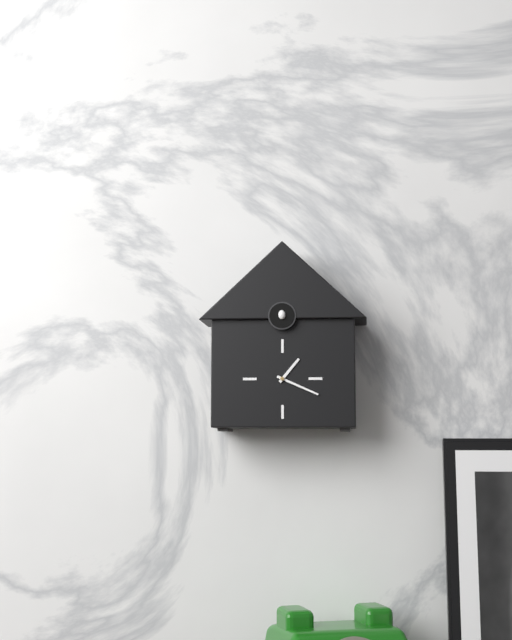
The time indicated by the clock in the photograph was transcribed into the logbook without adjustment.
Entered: 1:19
